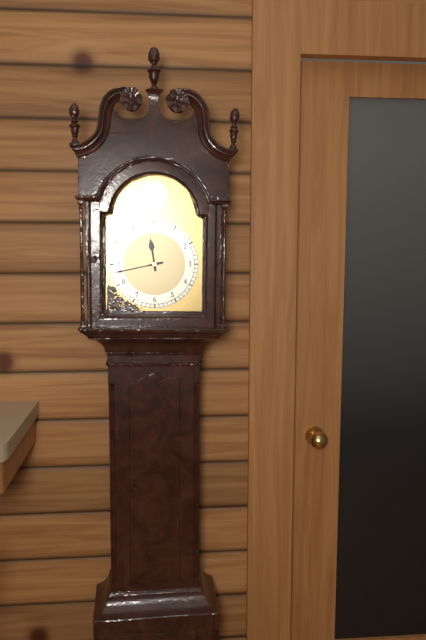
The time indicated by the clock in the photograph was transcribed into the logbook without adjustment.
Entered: 11:43
